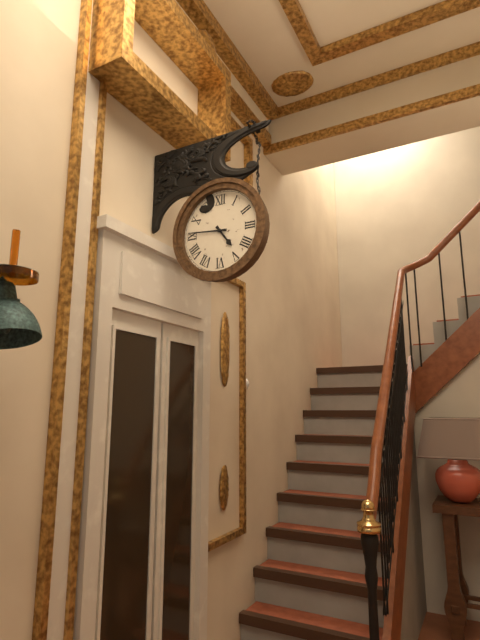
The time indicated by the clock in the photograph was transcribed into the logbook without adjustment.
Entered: 4:46
